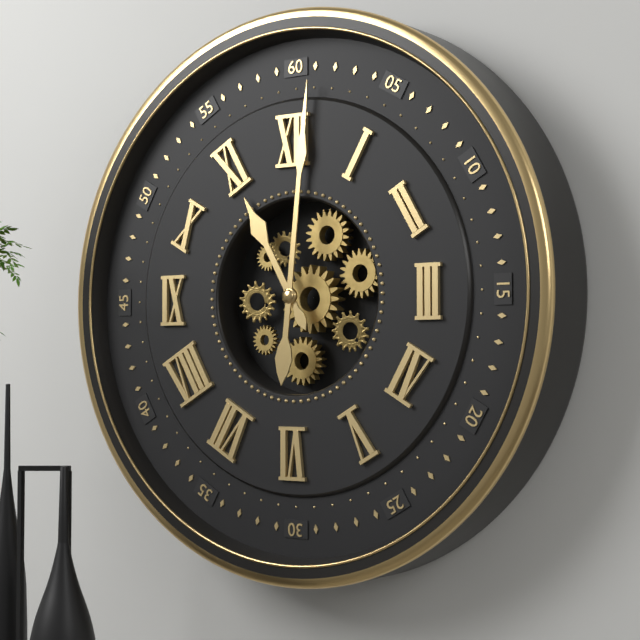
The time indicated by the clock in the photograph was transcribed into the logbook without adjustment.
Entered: 11:01
